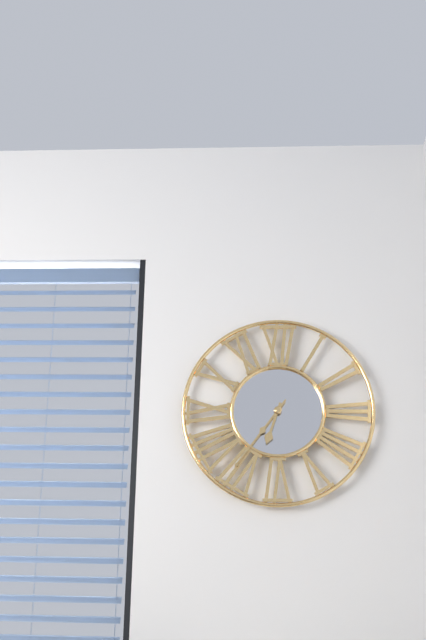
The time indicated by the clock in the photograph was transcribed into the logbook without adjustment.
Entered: 6:36
